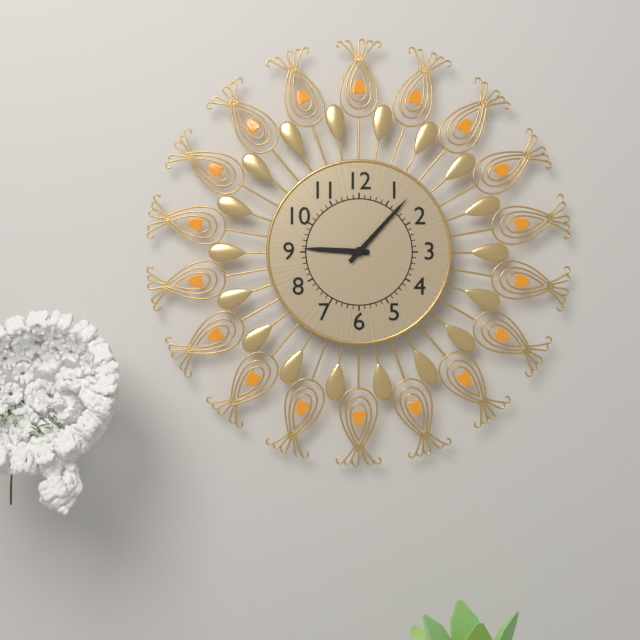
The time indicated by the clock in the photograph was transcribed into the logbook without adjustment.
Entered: 9:07
